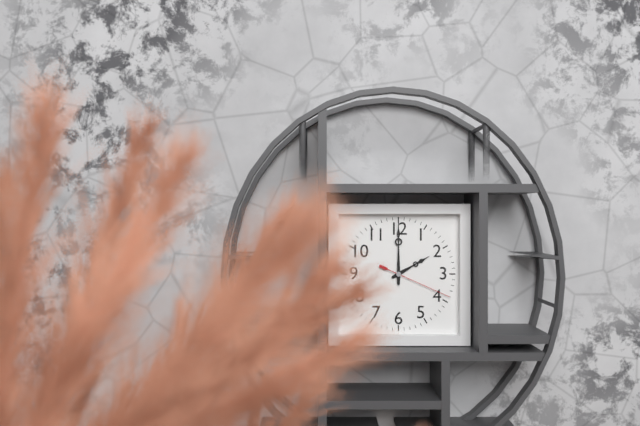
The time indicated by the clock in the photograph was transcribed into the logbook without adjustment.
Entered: 2:00:19
